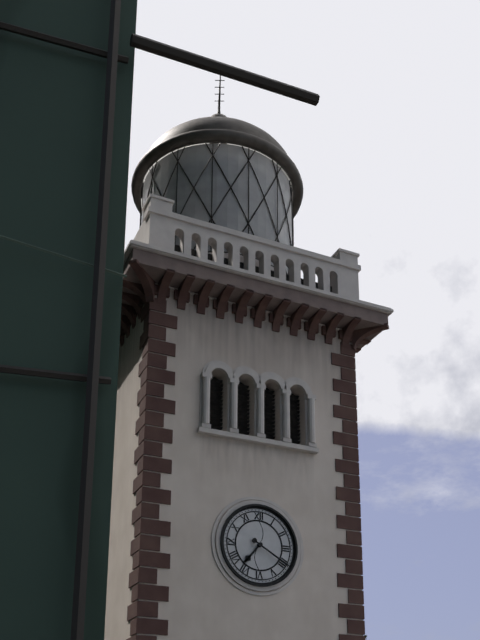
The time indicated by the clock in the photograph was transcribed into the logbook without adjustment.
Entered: 7:20
